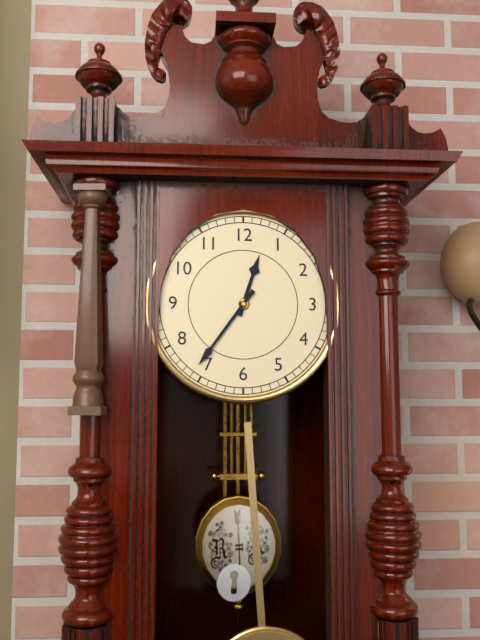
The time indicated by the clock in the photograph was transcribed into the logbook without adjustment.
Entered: 12:36
